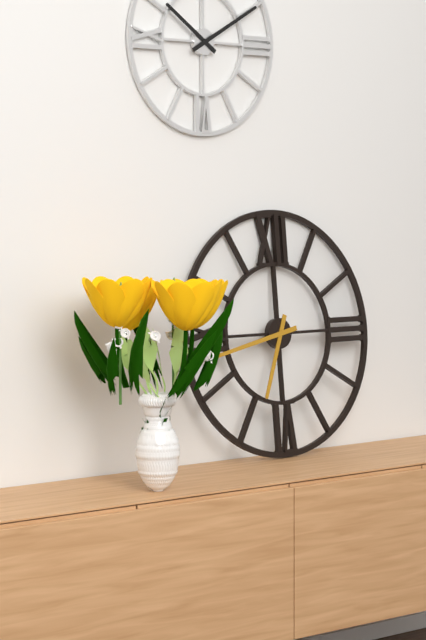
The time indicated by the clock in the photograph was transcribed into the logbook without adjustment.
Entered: 6:43
